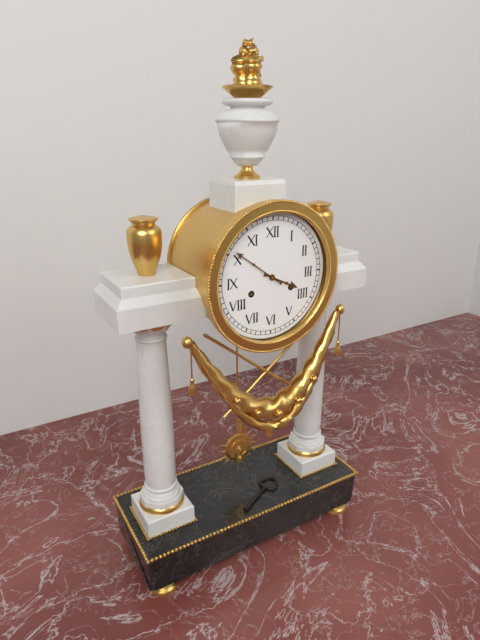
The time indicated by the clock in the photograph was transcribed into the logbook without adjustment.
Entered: 3:51
